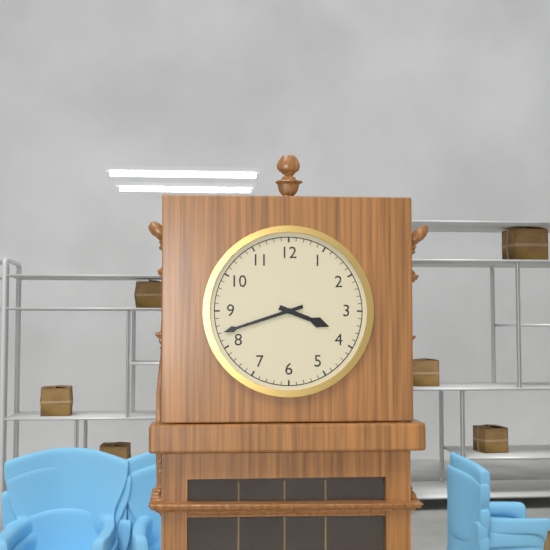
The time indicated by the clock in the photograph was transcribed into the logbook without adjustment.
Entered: 3:42
